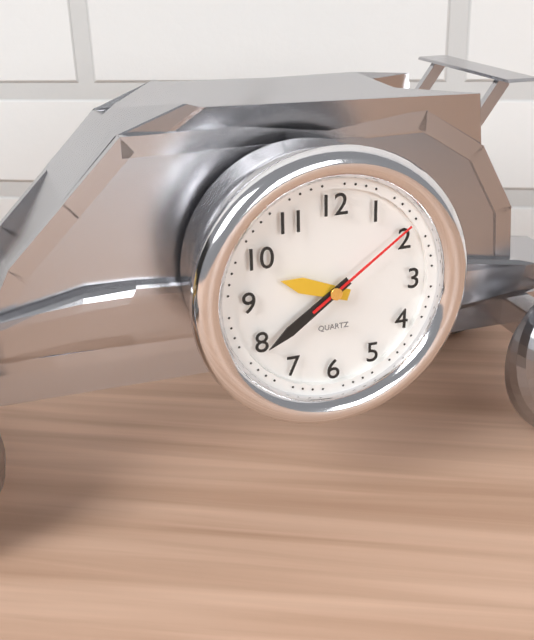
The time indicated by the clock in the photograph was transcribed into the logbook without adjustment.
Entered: 9:39:09
